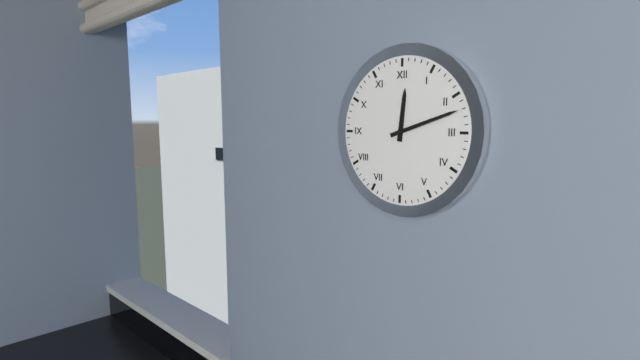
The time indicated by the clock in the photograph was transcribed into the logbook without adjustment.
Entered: 12:12
